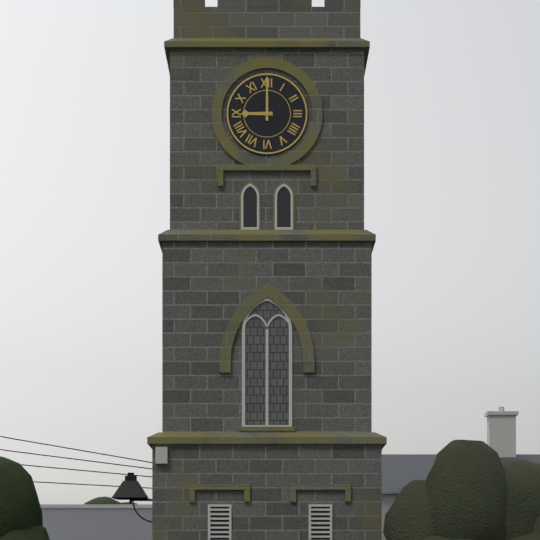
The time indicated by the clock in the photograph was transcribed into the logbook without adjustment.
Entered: 9:00
